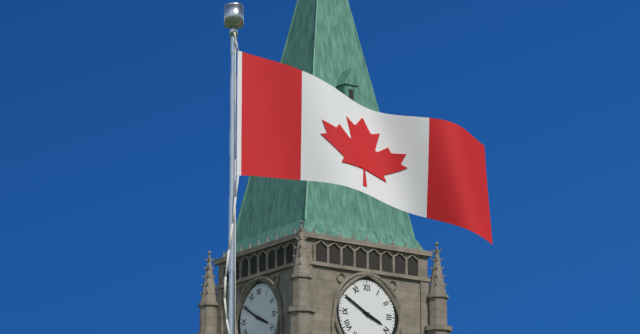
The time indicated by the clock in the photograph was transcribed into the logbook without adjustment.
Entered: 3:50
